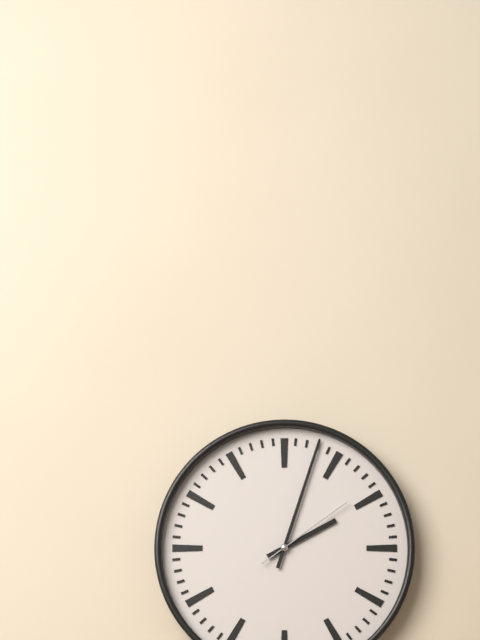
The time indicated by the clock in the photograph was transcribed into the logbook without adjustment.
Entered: 2:03:09
